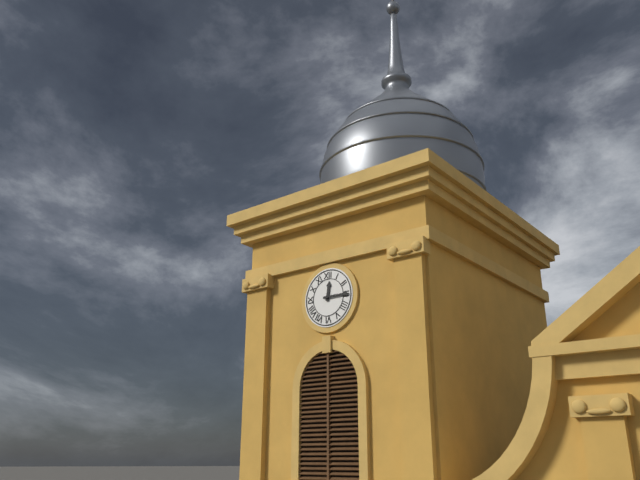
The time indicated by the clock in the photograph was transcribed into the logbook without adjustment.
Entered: 12:15
